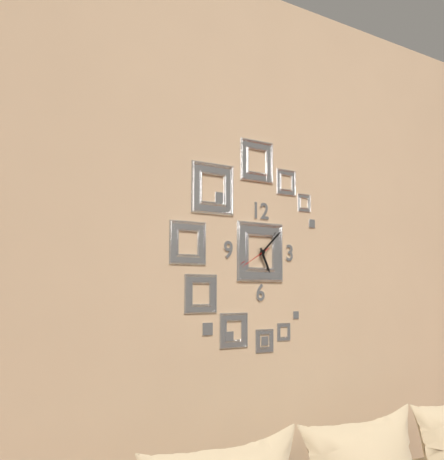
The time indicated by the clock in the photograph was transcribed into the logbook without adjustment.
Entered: 5:08
